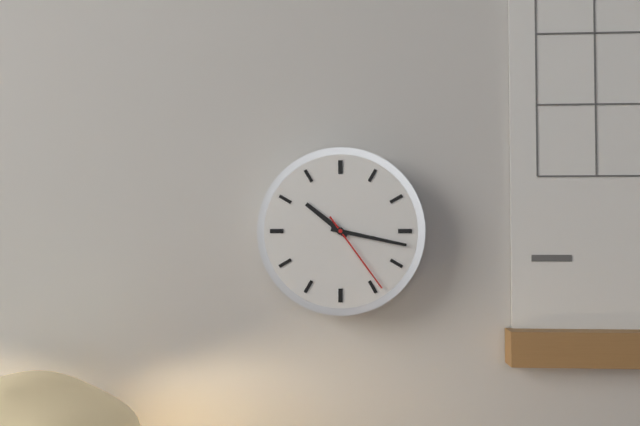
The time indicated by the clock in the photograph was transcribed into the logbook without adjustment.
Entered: 10:17:24
